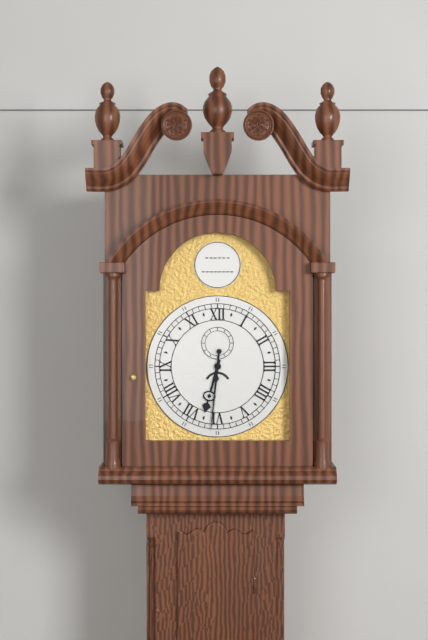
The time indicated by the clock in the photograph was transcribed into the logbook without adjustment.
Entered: 6:31
